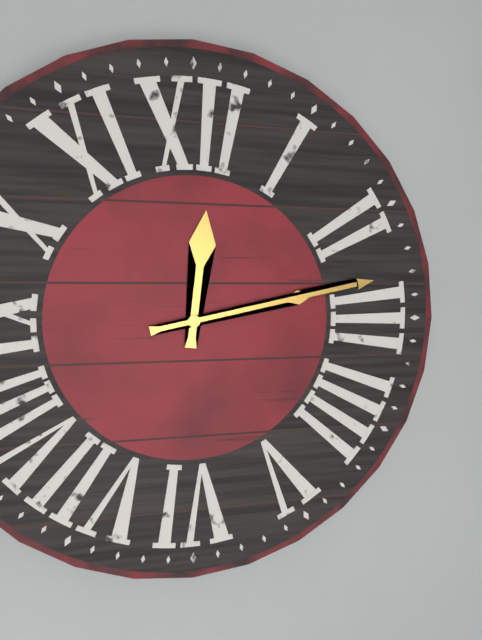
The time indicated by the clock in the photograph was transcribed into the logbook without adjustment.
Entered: 12:13
